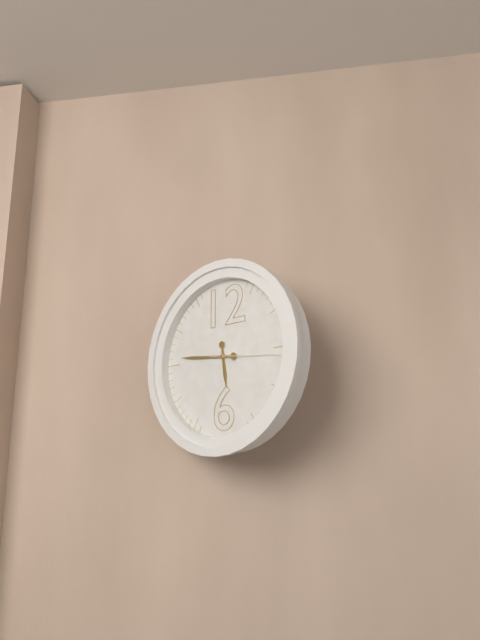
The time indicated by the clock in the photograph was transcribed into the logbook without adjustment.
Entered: 5:46:16
